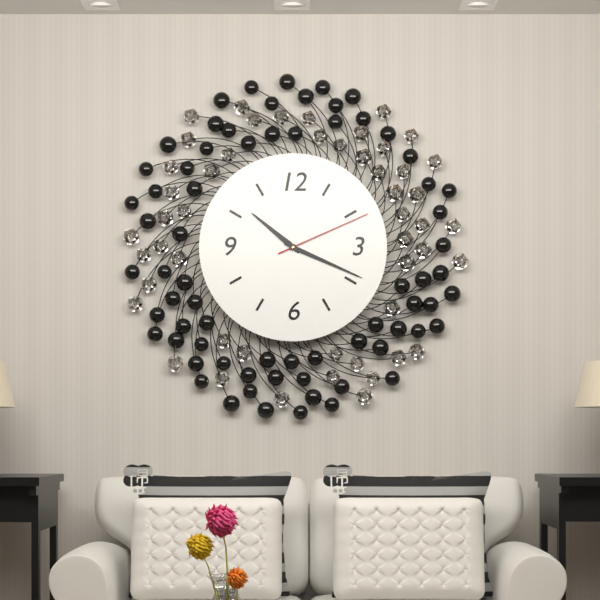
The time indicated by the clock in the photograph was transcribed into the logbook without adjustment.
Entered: 10:19:11
